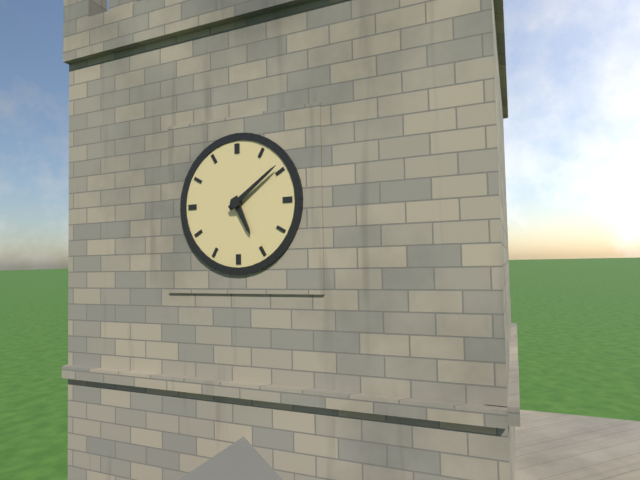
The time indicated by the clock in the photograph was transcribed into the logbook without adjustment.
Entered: 5:09
